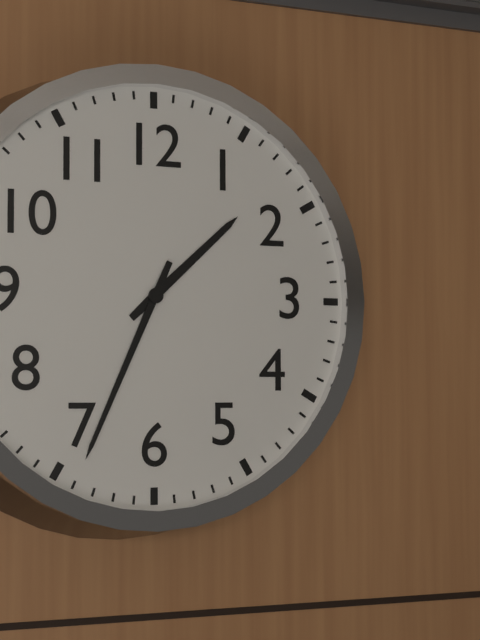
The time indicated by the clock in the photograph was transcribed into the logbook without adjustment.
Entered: 1:34
